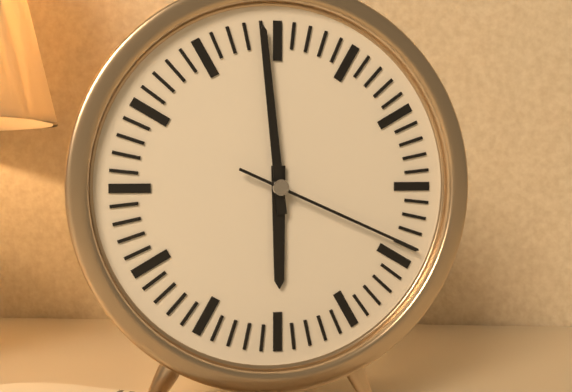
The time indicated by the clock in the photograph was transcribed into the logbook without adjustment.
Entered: 5:59:19
